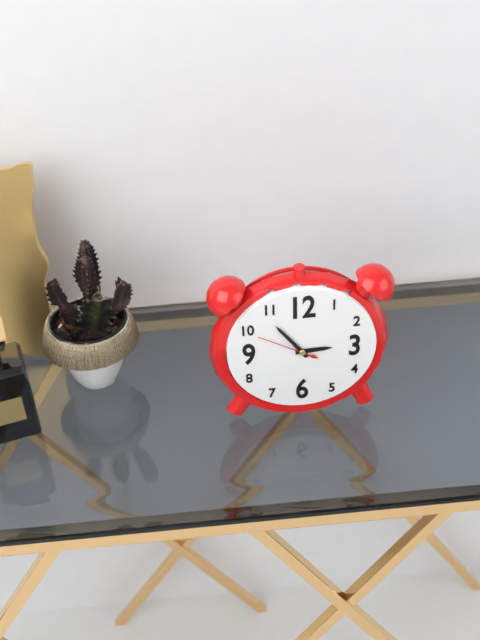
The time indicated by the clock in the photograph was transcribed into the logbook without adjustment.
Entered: 2:54:50
